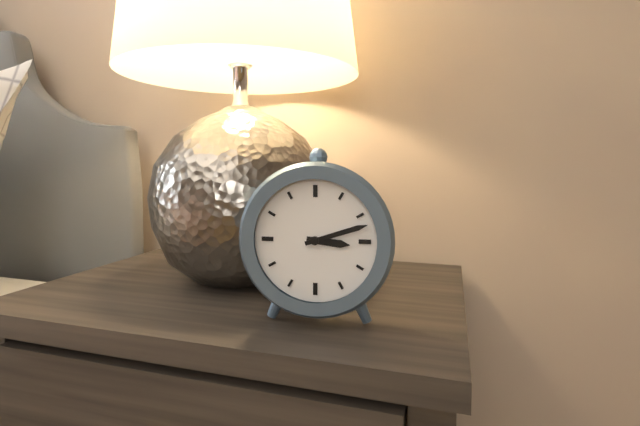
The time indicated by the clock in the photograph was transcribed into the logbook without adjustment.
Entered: 3:12
